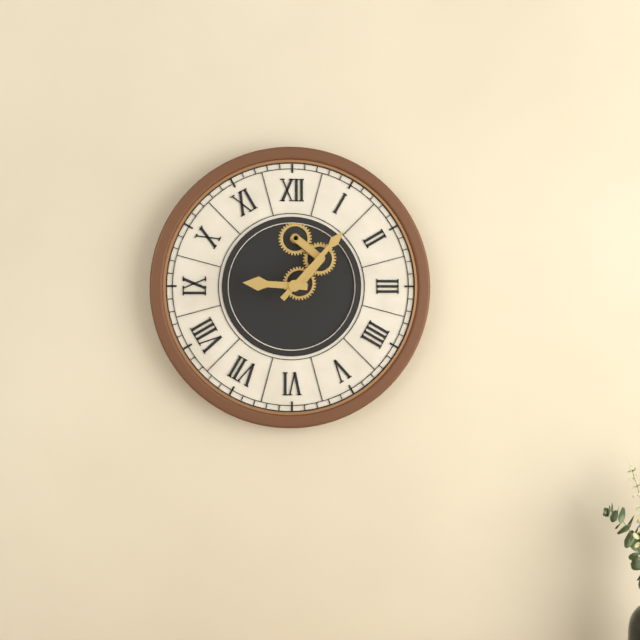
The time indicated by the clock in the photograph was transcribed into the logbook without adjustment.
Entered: 9:07
